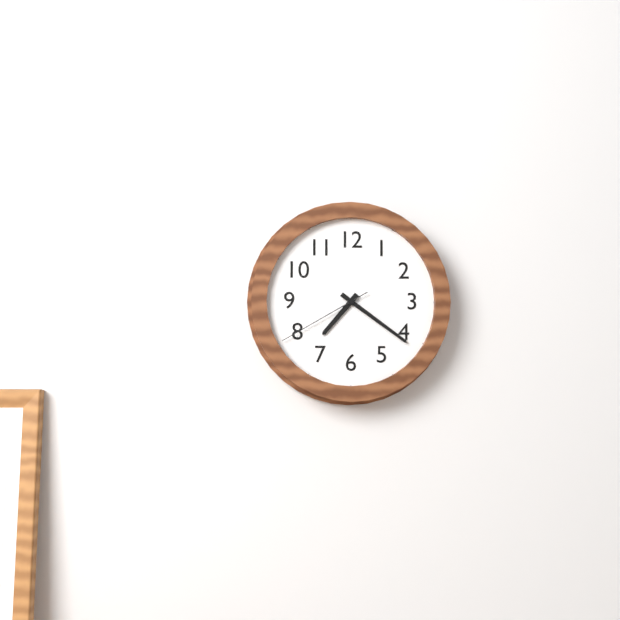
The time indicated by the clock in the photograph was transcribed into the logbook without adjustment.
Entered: 7:21:40
